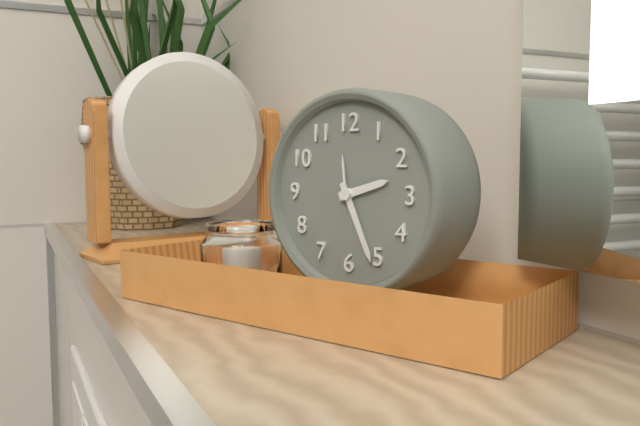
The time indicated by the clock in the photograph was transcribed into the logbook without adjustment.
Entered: 2:26
